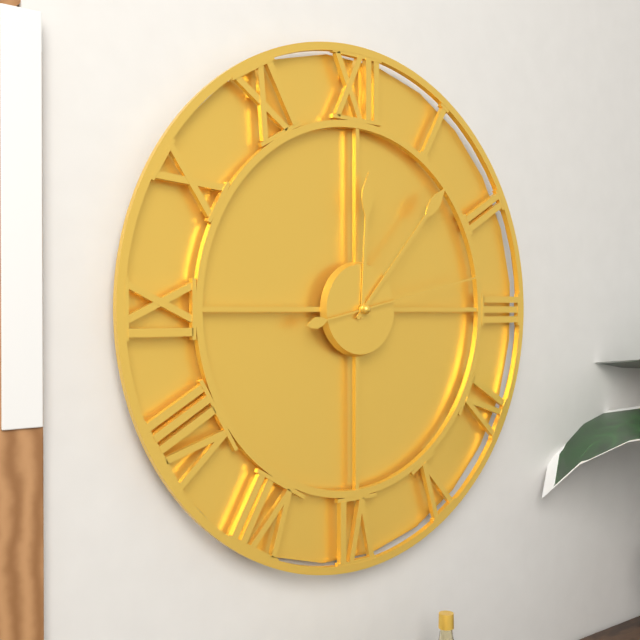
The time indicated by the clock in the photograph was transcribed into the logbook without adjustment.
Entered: 12:07:13
